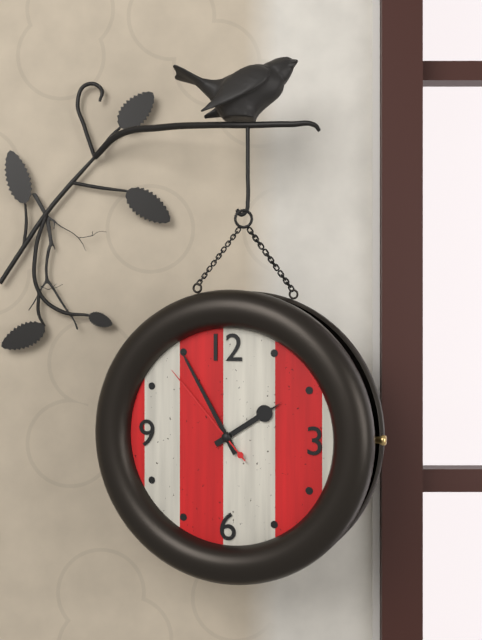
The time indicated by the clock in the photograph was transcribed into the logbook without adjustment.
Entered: 1:55:53
